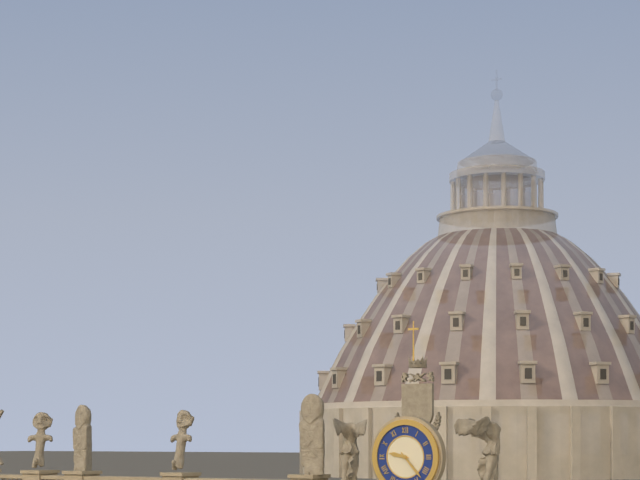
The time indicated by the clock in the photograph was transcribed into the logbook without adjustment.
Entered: 9:23
